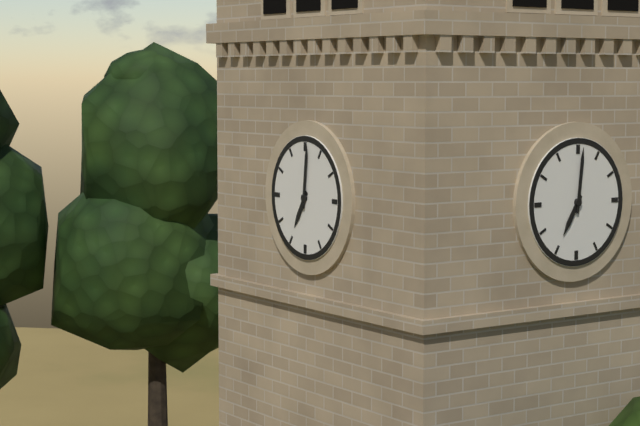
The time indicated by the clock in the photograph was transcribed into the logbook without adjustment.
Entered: 7:01
